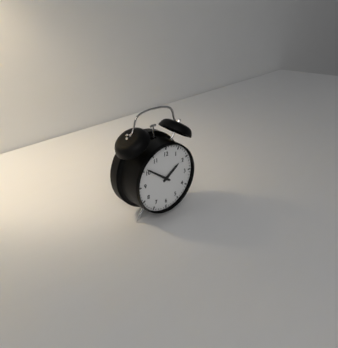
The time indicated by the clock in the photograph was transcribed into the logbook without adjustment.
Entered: 1:51
